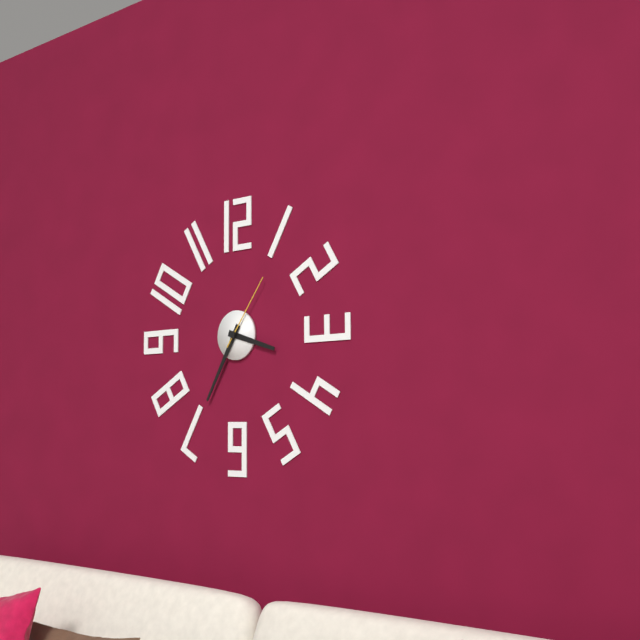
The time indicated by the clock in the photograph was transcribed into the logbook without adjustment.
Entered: 3:35:06
